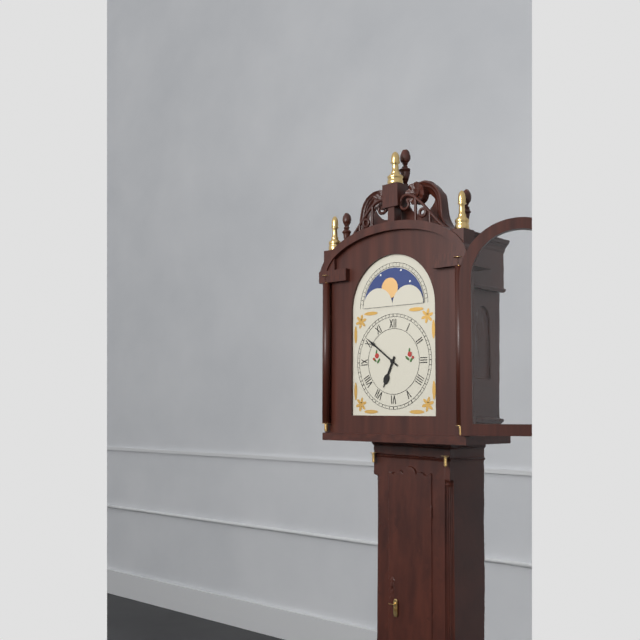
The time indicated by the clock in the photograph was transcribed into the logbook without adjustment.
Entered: 6:51
